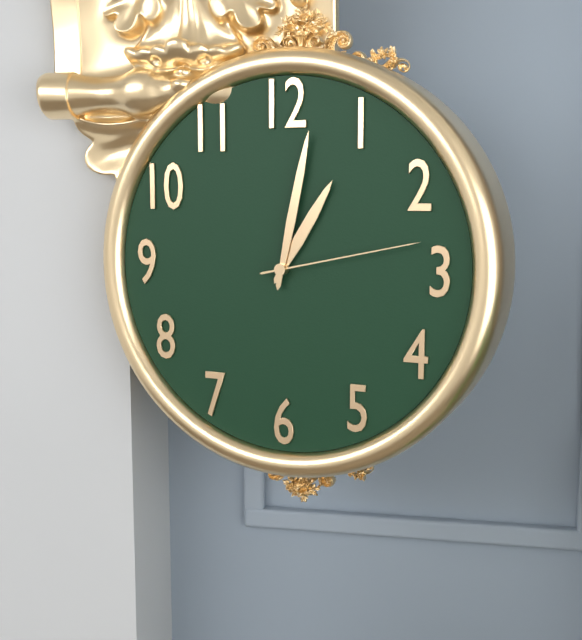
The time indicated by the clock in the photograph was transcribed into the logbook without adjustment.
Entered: 1:02:13
